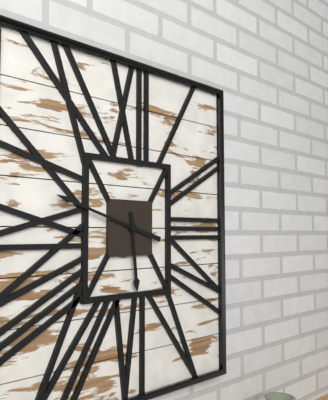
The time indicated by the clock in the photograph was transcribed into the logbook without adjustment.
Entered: 5:48
